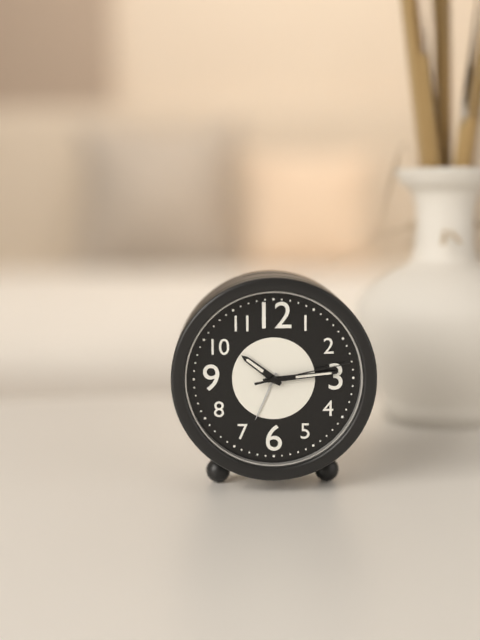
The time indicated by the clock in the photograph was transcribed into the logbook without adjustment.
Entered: 10:14:13
